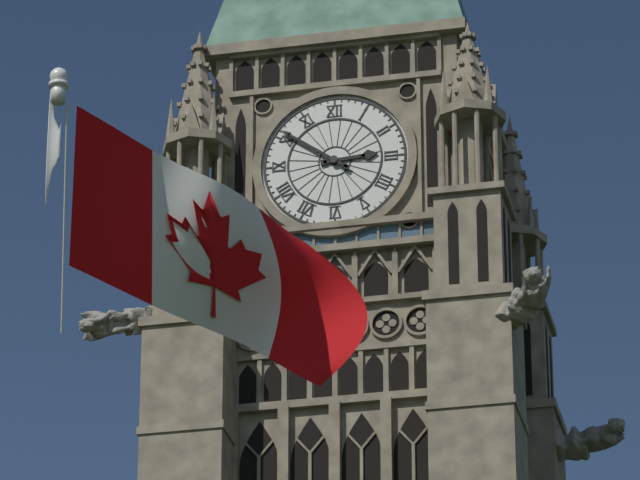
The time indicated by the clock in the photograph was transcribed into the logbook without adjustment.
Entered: 2:51
